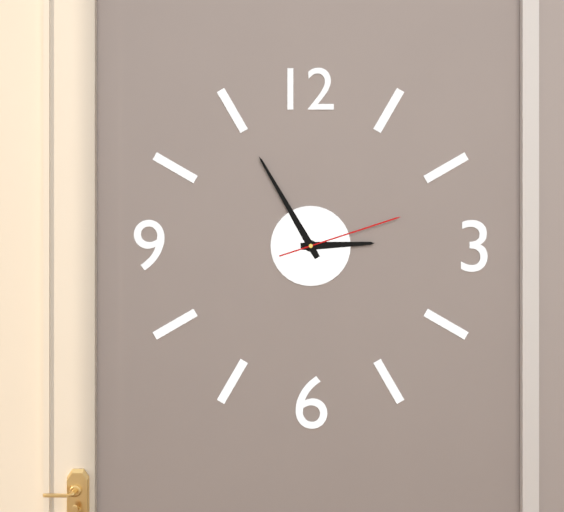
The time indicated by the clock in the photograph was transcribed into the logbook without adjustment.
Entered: 2:55:12
